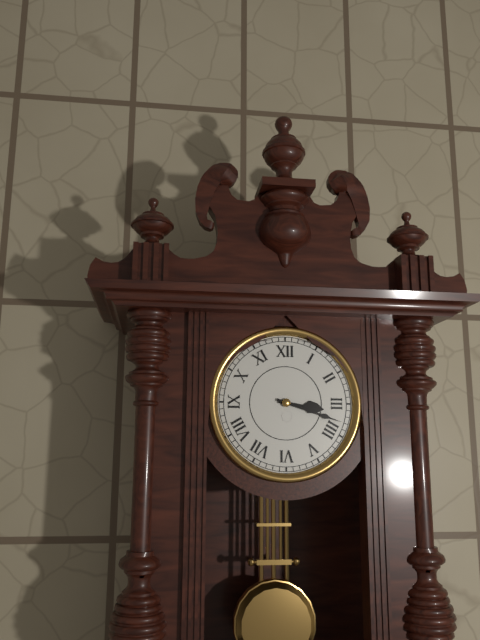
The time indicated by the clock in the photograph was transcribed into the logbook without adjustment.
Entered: 3:18
